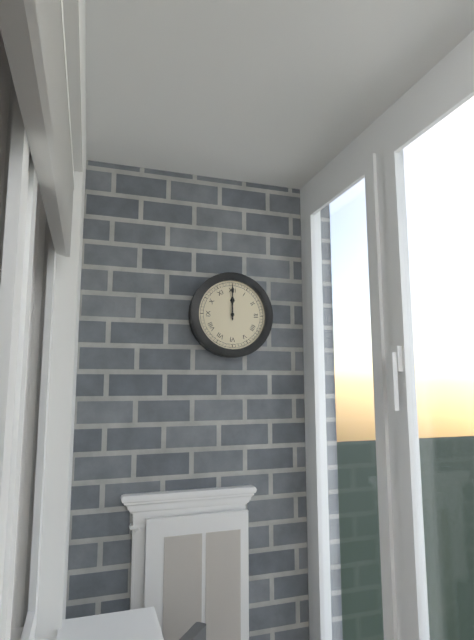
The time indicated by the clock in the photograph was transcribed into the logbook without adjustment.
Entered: 12:00
